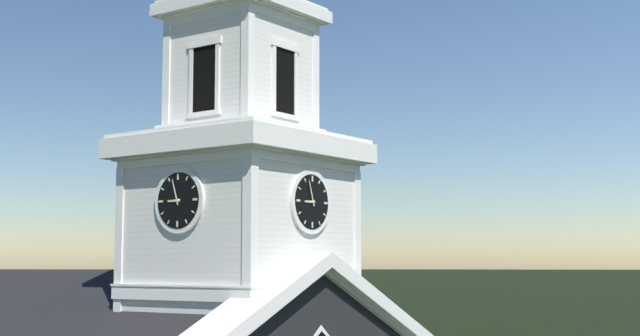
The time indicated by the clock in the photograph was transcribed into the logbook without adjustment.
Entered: 8:57
